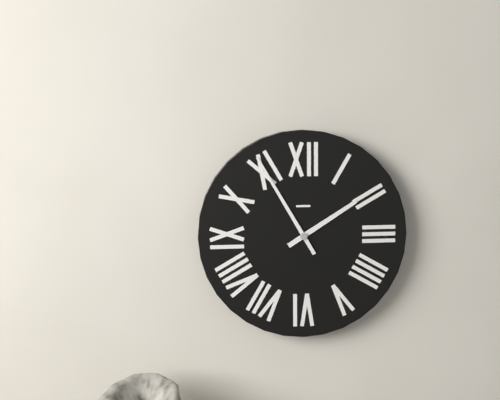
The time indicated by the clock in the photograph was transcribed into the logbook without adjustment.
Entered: 1:55
